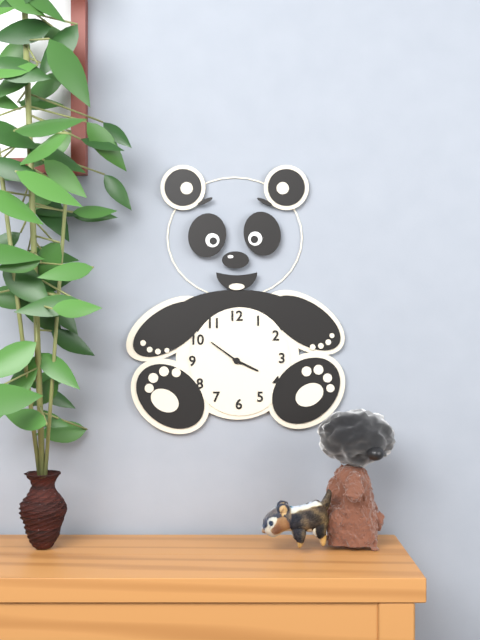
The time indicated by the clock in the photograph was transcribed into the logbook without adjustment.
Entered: 3:51
